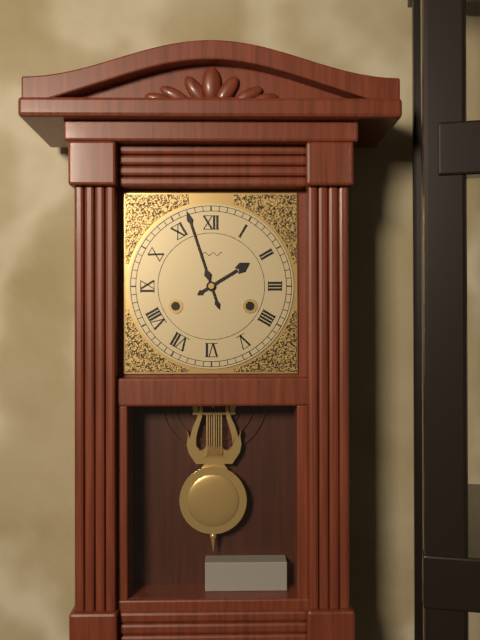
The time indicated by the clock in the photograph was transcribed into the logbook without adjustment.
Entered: 1:57
